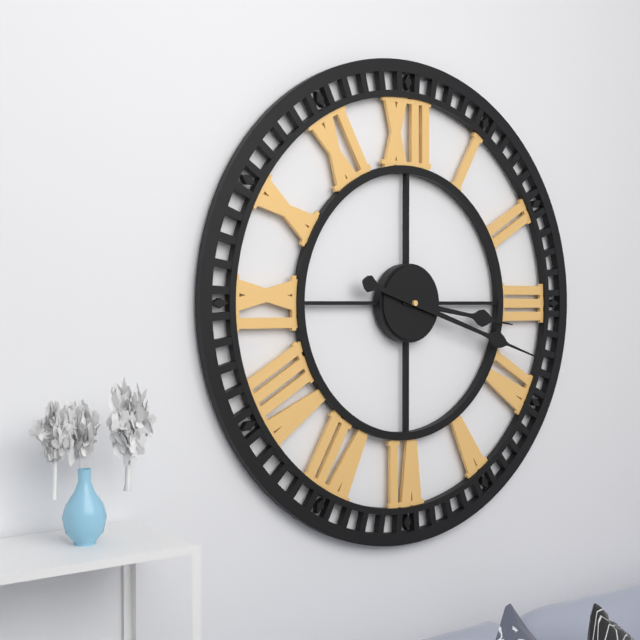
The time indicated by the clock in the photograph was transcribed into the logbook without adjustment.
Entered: 3:18
